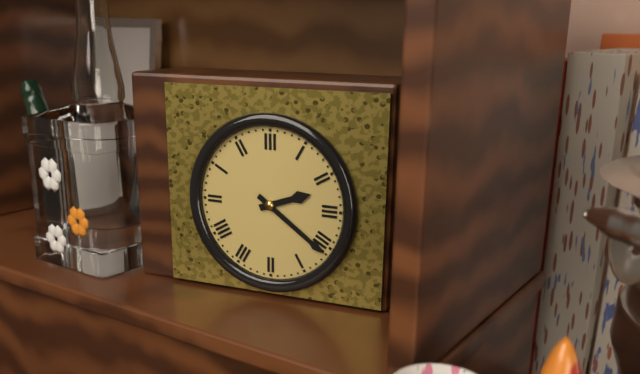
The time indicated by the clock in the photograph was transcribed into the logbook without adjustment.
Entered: 2:21
